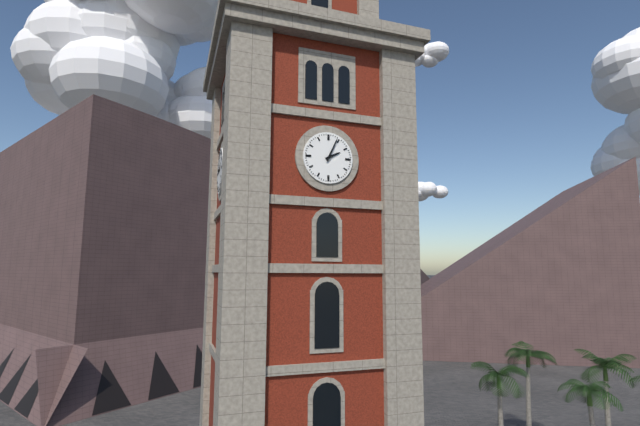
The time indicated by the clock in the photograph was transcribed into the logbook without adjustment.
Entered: 2:04
